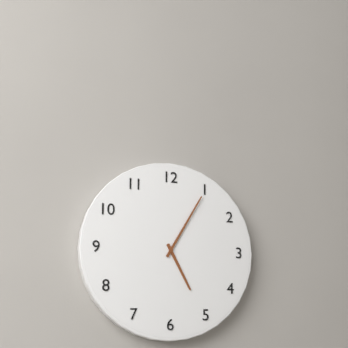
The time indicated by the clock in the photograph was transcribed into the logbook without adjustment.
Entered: 5:05
